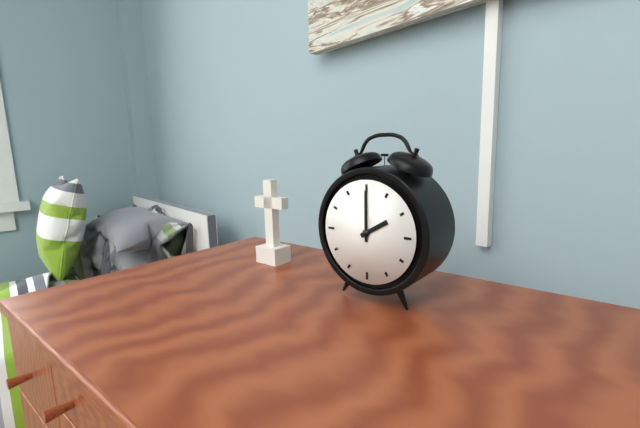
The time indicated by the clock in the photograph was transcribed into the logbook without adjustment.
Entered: 2:00
